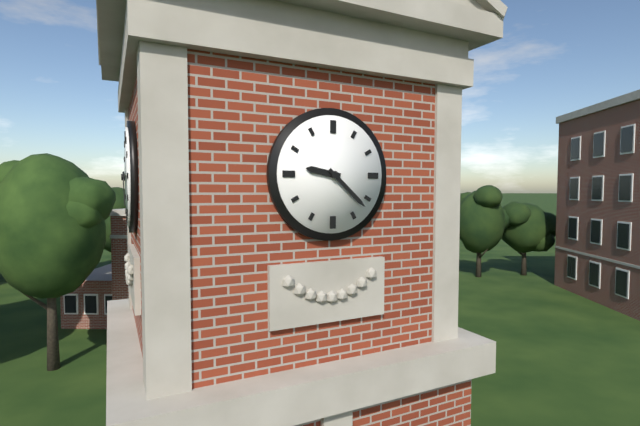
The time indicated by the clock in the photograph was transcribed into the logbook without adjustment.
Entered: 9:22
